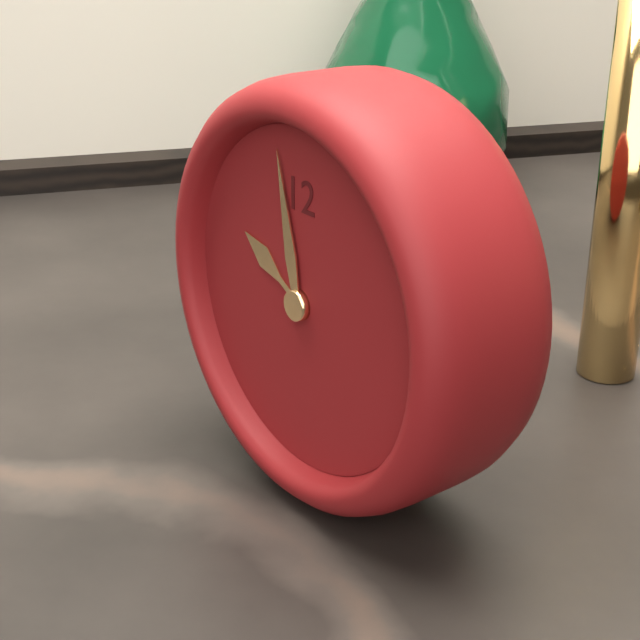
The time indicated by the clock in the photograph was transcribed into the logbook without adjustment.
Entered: 9:58
